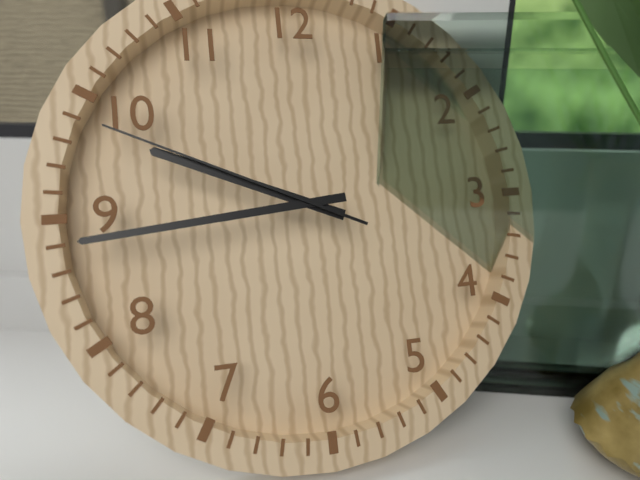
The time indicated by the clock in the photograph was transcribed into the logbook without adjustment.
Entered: 9:44:49
